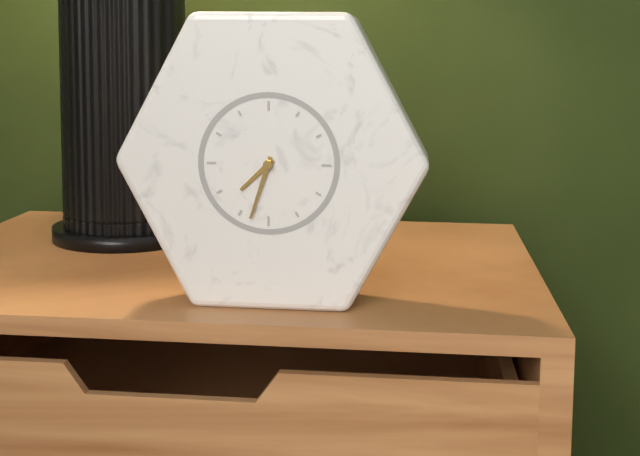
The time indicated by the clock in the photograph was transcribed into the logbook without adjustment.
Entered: 7:33
